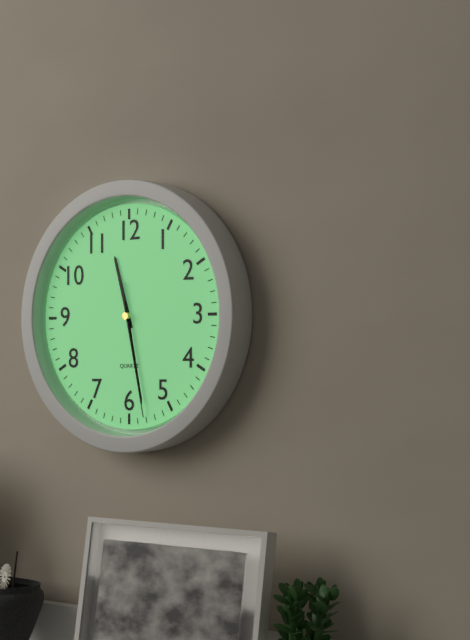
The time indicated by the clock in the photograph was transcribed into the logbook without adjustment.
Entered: 11:28:28
